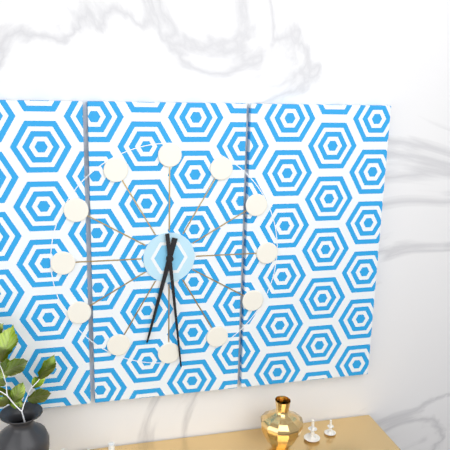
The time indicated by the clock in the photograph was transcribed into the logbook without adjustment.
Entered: 6:29
